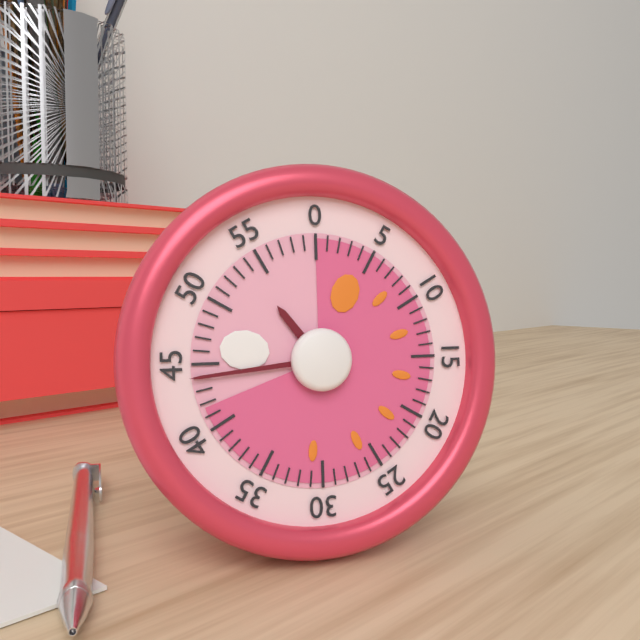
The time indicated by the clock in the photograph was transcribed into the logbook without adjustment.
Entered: 10:44
